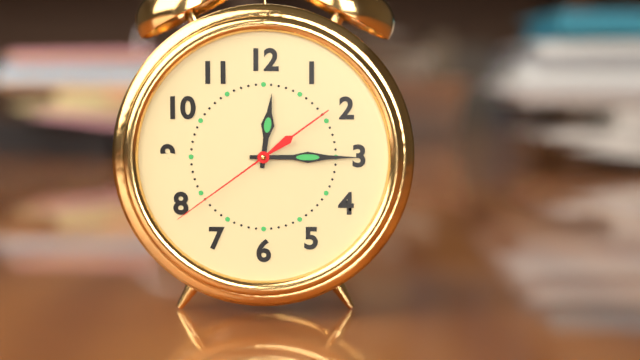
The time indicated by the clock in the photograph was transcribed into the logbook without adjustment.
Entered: 12:15:39
